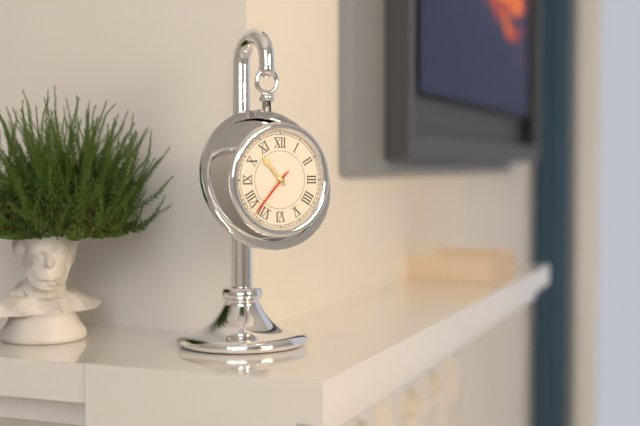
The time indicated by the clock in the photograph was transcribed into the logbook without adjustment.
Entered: 10:37:37
